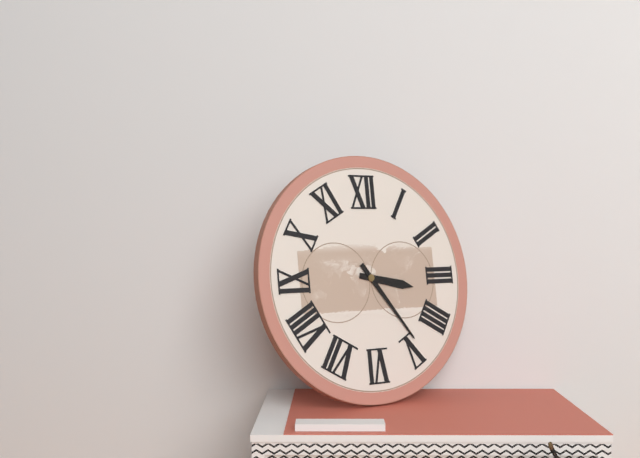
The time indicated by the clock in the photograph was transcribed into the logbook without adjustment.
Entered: 3:24
